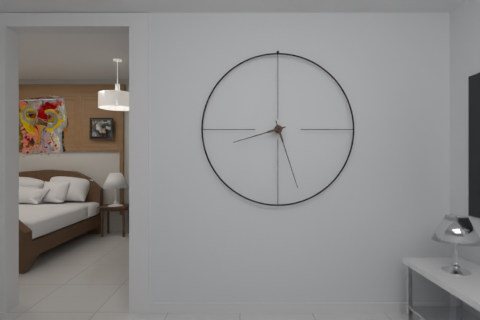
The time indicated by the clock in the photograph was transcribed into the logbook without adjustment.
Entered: 8:27
